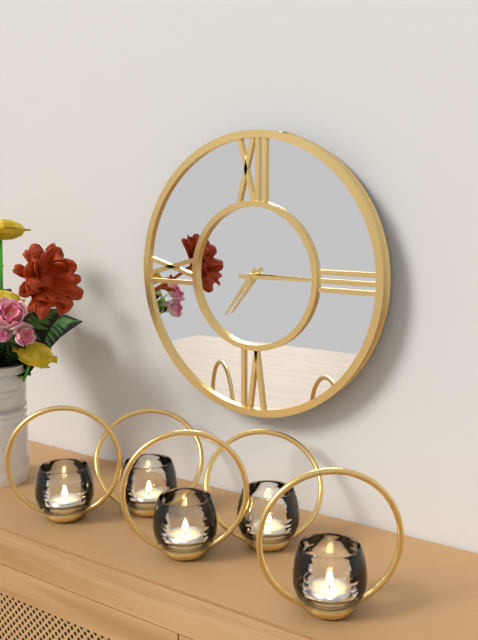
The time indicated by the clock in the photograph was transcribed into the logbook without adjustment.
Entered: 7:15
